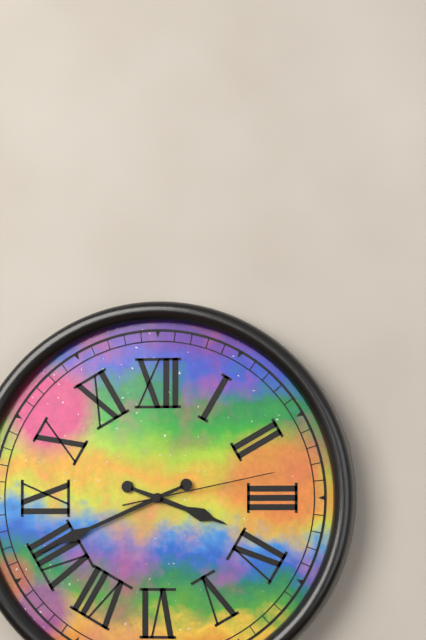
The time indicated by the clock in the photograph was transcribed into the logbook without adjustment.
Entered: 3:41:13
